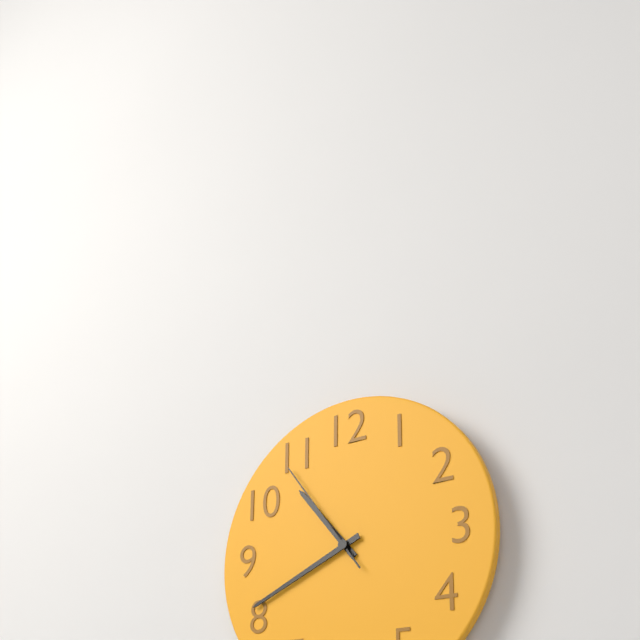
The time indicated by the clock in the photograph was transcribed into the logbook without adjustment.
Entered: 10:41:54
